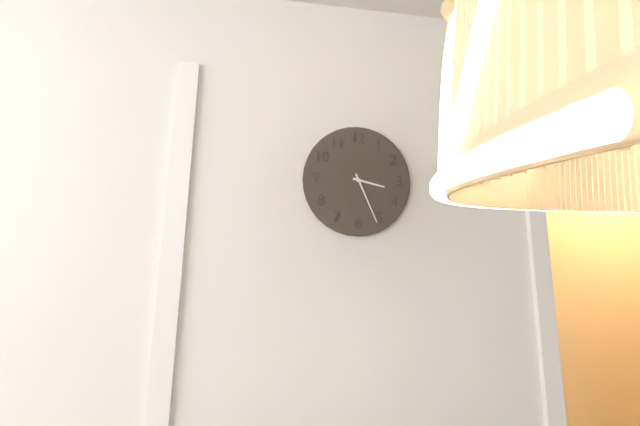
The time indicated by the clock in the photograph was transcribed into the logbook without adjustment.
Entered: 3:26
